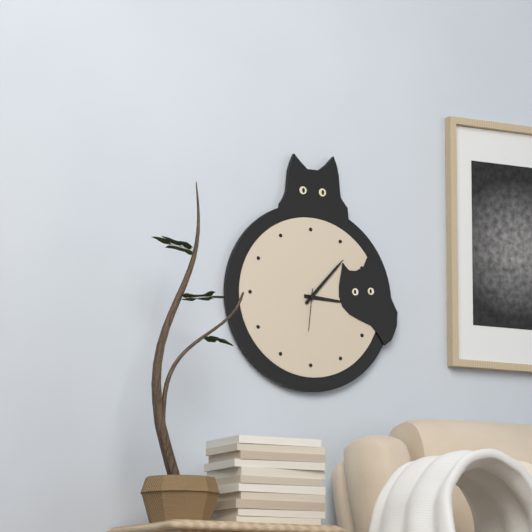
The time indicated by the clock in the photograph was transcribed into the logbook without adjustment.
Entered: 3:07
